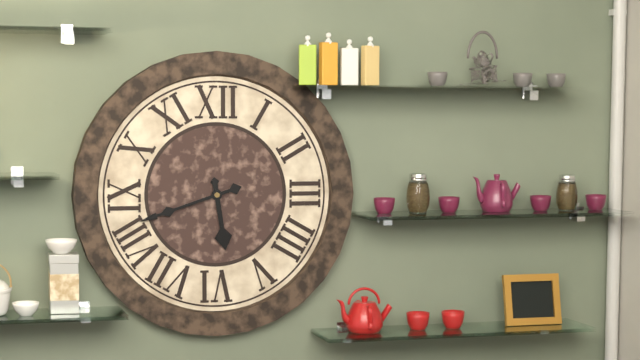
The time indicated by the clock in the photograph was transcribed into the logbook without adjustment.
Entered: 5:42
